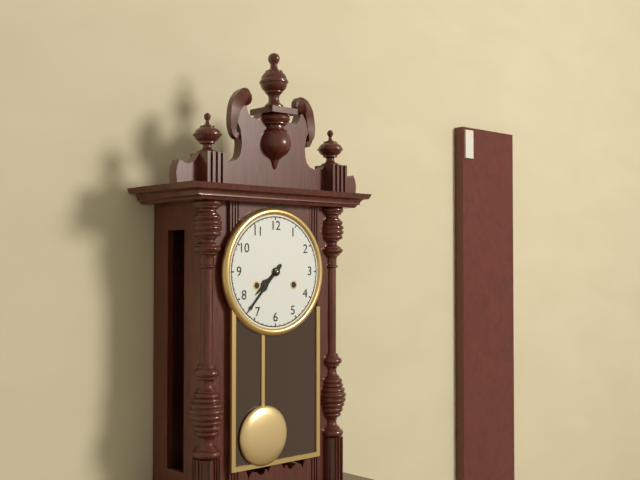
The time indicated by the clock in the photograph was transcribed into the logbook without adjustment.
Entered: 7:37
